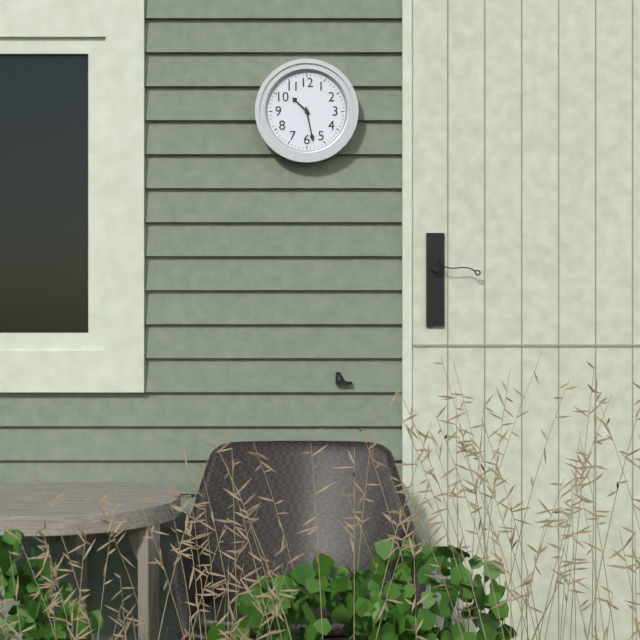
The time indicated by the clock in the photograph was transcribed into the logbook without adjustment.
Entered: 10:28
